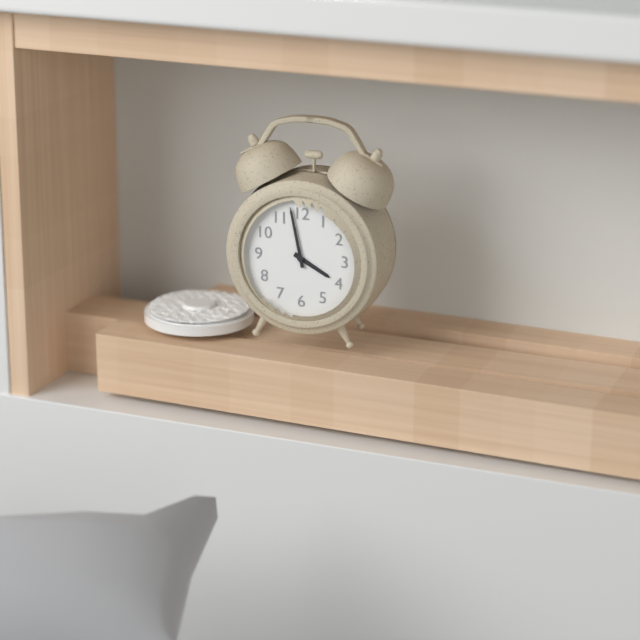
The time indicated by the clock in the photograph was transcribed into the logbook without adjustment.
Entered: 3:58
